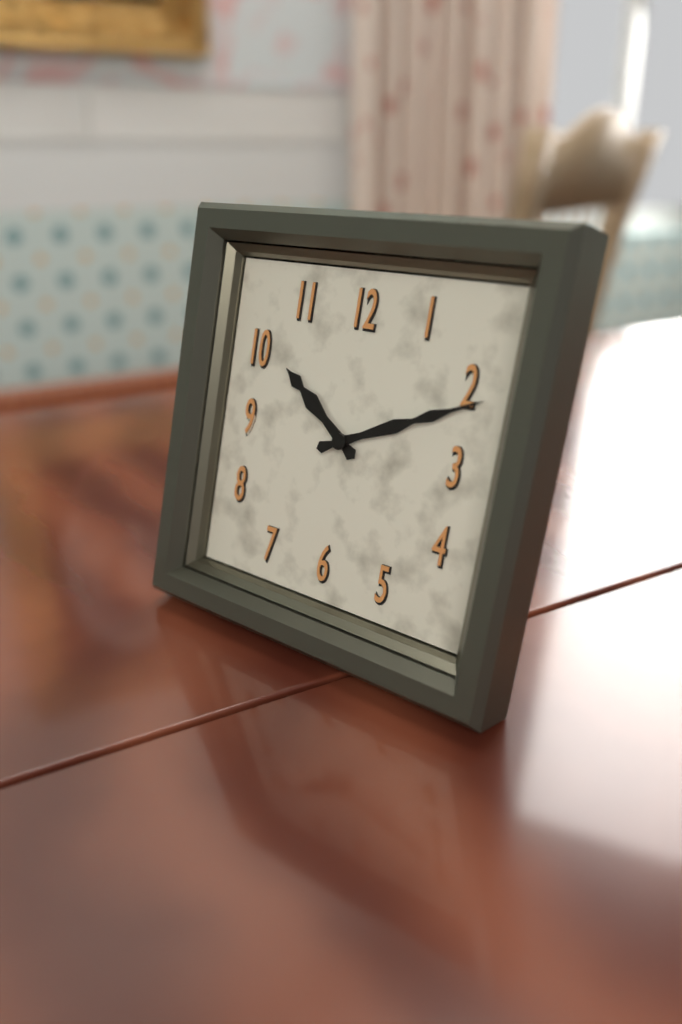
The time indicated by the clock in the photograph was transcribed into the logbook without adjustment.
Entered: 10:11
